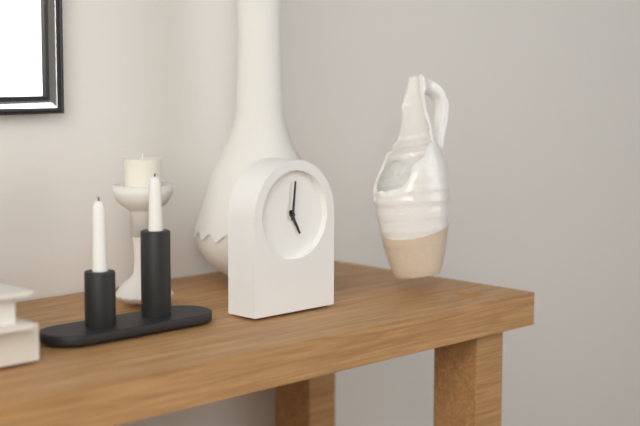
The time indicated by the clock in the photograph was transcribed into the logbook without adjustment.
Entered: 5:01
